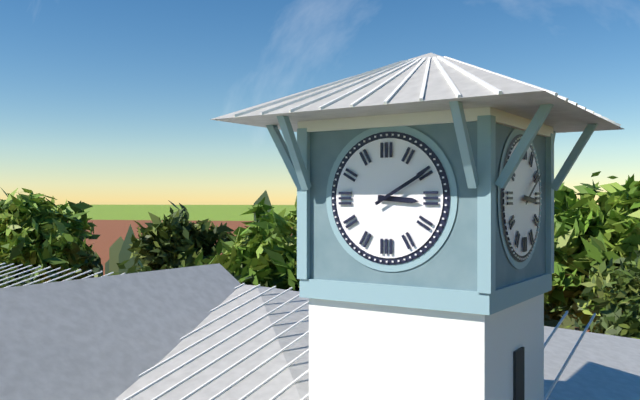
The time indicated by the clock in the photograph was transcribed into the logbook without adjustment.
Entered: 3:10
